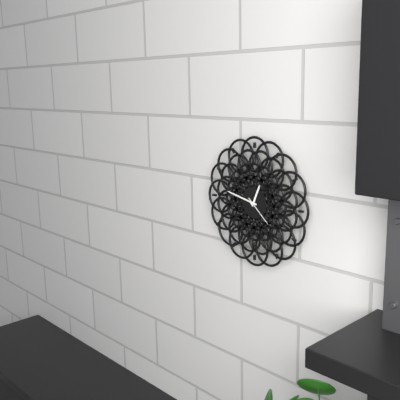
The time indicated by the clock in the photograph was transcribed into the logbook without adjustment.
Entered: 12:47
